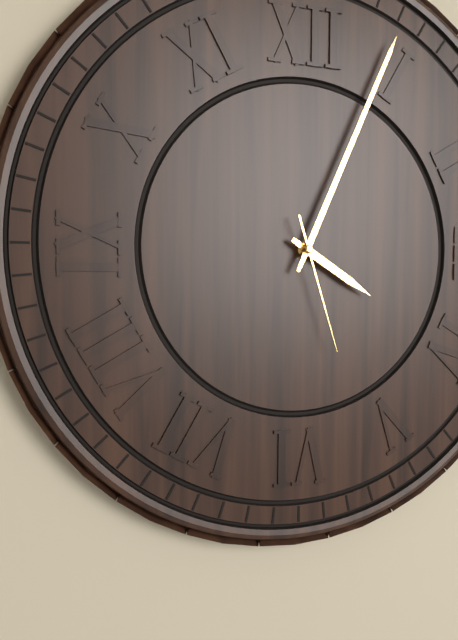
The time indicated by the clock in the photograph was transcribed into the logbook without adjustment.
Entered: 4:04:27
